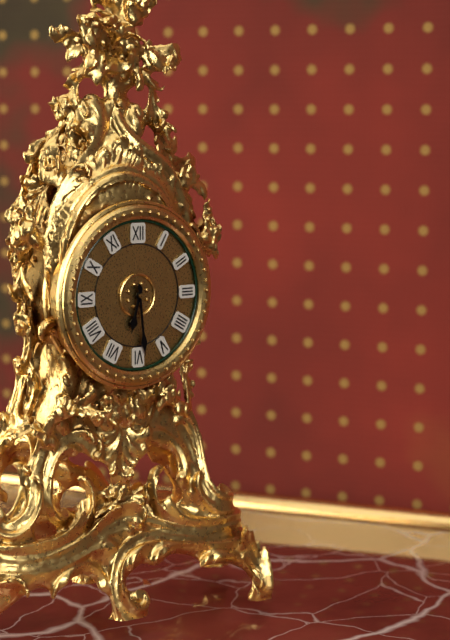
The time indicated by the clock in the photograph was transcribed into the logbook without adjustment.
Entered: 6:29
